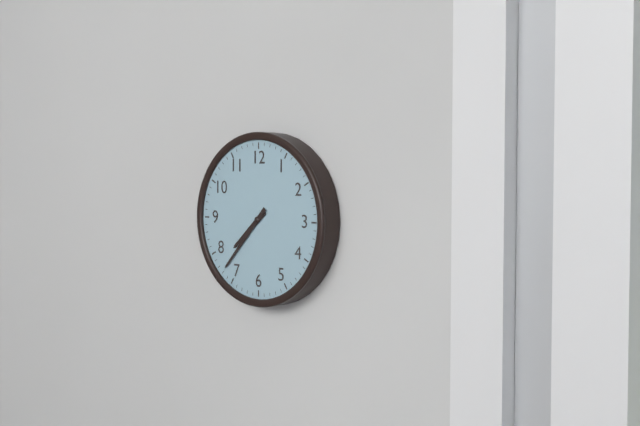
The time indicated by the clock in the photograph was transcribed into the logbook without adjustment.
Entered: 7:37
